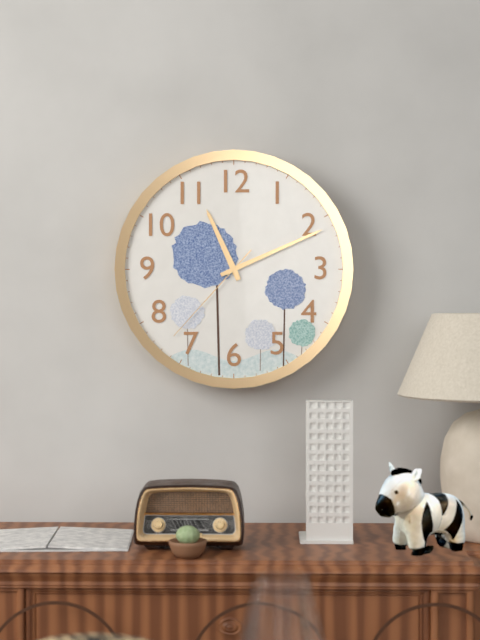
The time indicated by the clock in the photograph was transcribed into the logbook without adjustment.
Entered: 11:11:37
